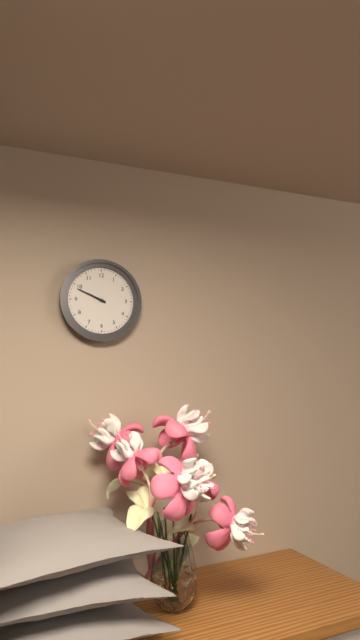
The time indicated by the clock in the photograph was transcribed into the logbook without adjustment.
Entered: 9:49
